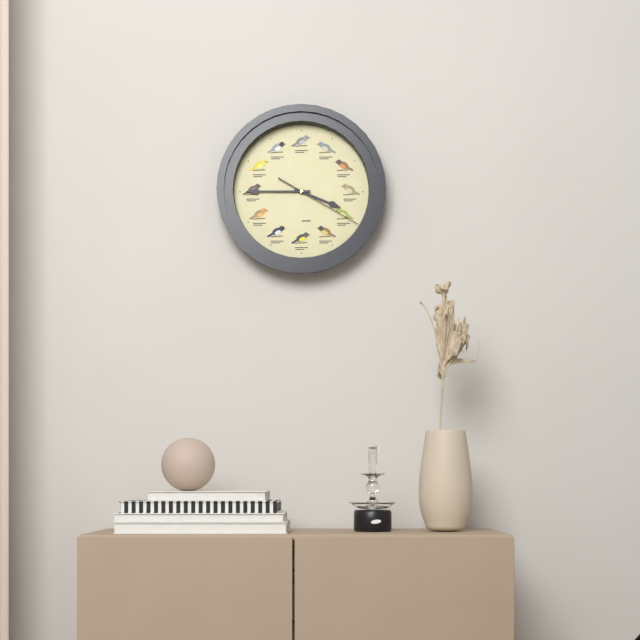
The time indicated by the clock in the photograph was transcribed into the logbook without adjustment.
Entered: 3:45:20
